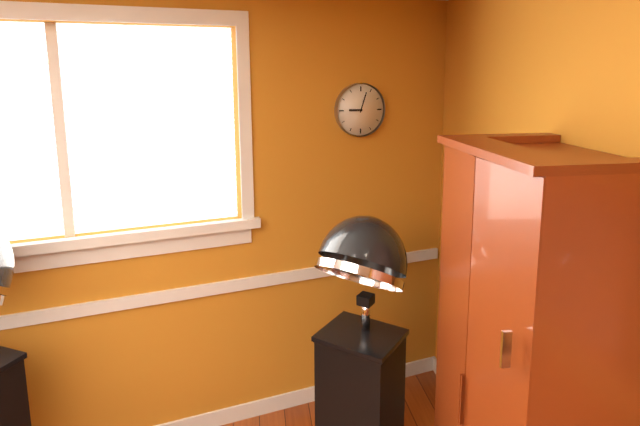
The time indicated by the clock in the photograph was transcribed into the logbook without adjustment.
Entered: 9:03
